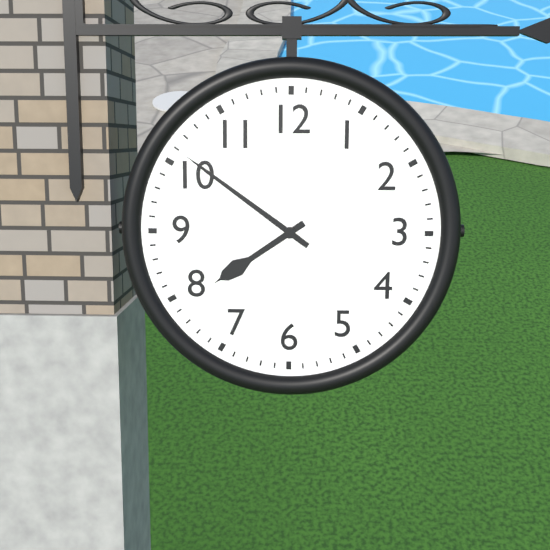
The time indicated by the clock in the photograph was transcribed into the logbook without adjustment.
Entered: 7:51
